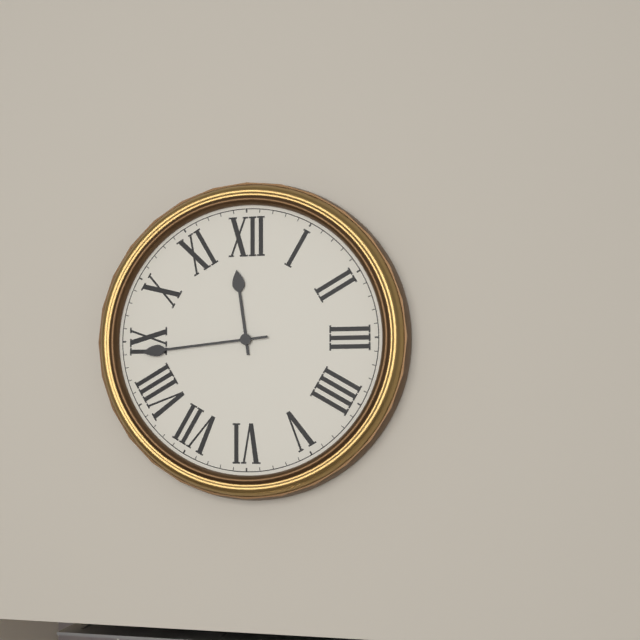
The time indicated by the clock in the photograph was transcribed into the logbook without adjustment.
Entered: 11:44
